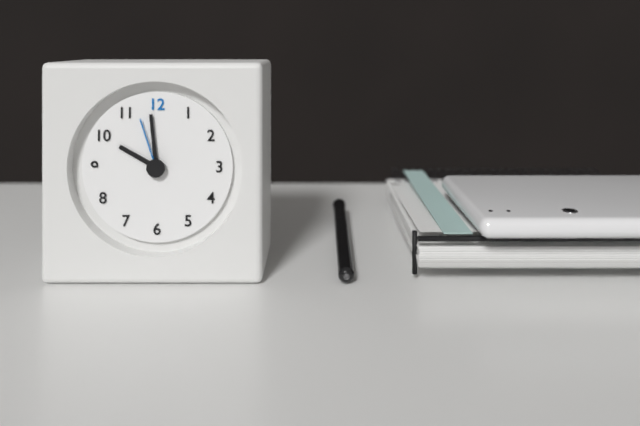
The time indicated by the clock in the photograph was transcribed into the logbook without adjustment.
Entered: 9:59:57
